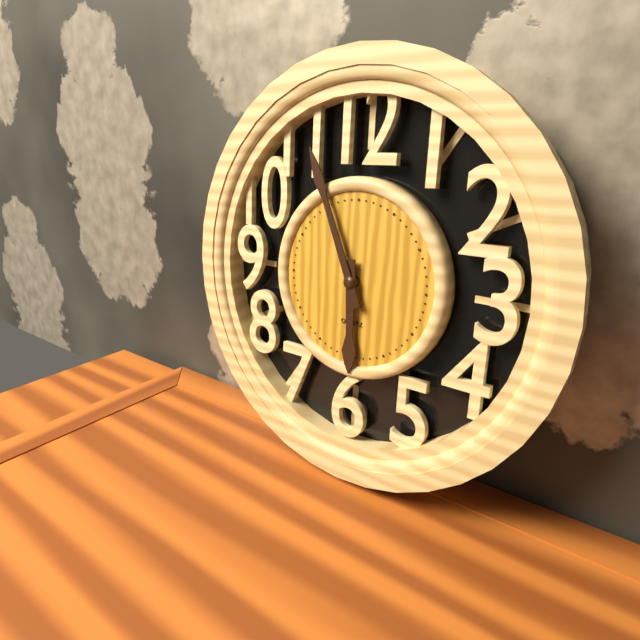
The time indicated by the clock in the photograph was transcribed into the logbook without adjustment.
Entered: 5:56
